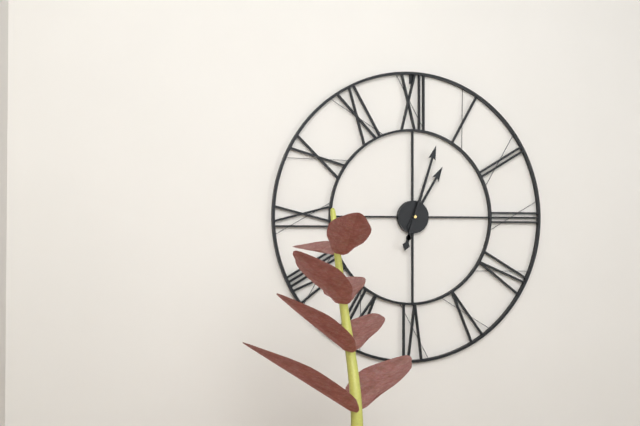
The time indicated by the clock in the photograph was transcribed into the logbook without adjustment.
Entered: 1:03
